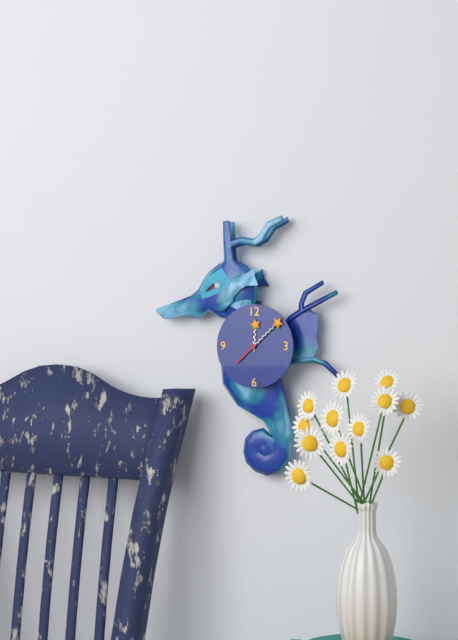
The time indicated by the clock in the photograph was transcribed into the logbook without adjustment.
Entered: 12:08
